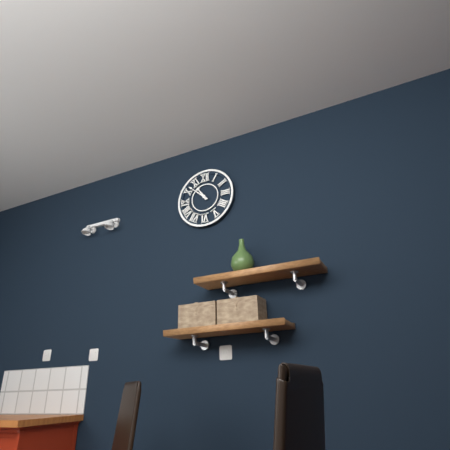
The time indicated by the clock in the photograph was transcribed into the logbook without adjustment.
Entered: 10:52
